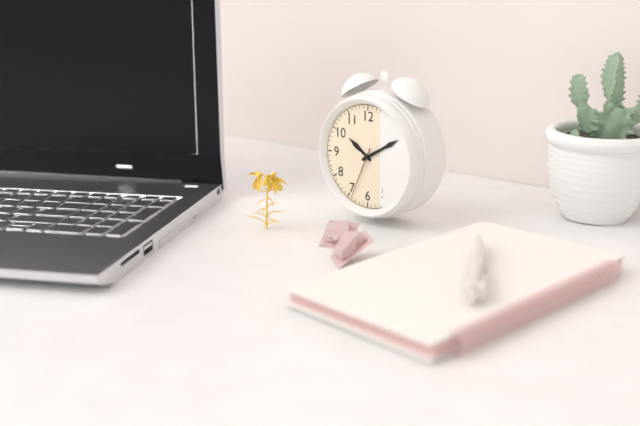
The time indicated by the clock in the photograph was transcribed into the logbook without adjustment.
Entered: 10:10:34
